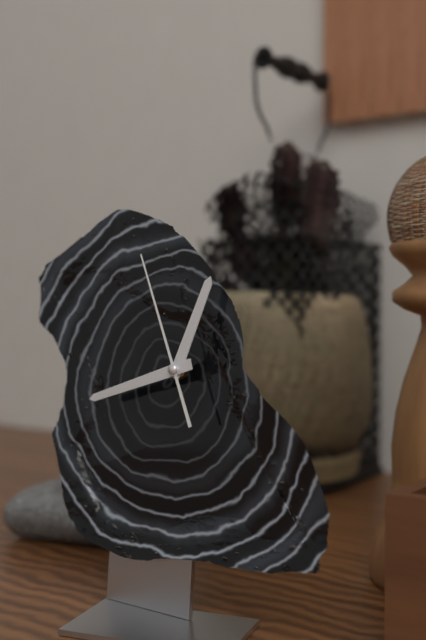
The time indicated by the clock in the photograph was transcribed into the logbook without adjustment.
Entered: 12:42:56
